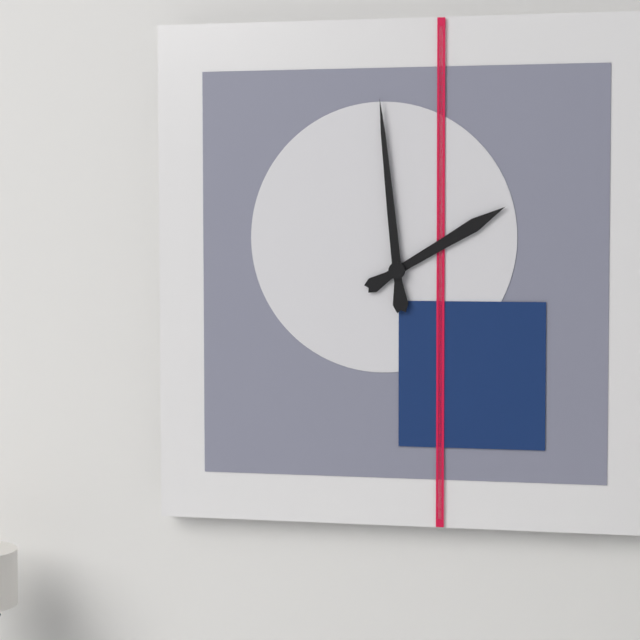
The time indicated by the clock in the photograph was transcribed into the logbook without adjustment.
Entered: 1:59
